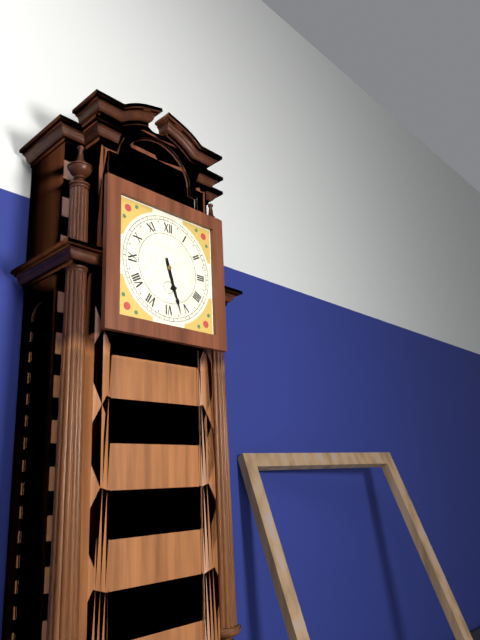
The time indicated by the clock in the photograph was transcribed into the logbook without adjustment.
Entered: 5:27
